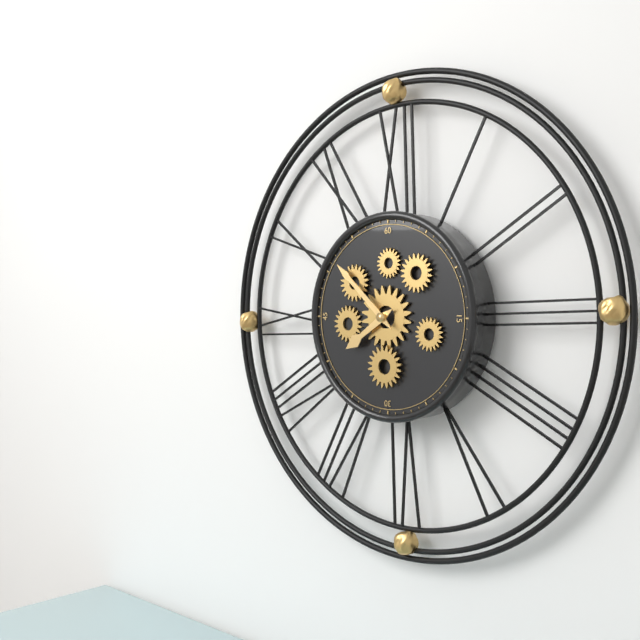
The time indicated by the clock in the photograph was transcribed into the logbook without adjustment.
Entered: 7:52
